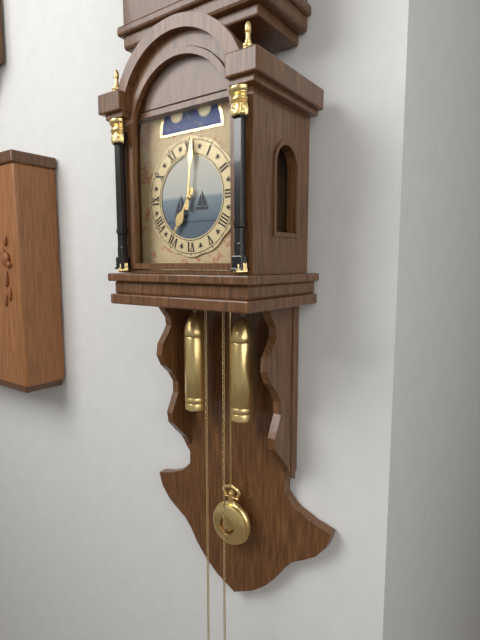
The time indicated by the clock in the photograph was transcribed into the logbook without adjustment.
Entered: 7:01
